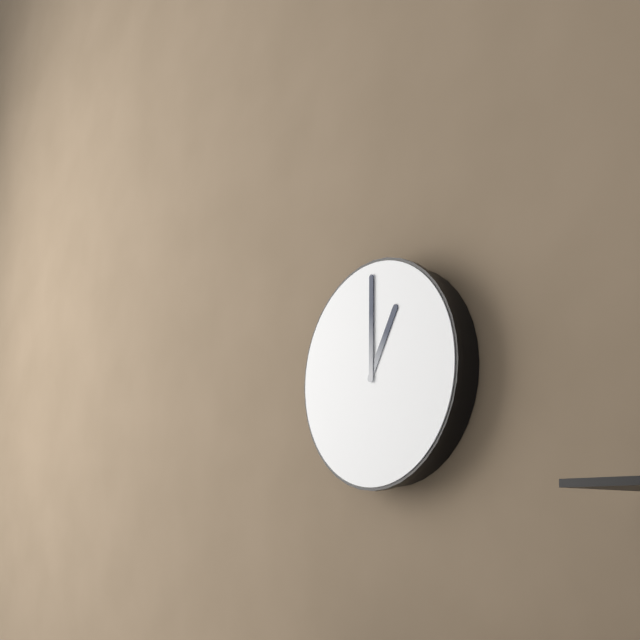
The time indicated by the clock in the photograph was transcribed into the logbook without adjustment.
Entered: 1:00
